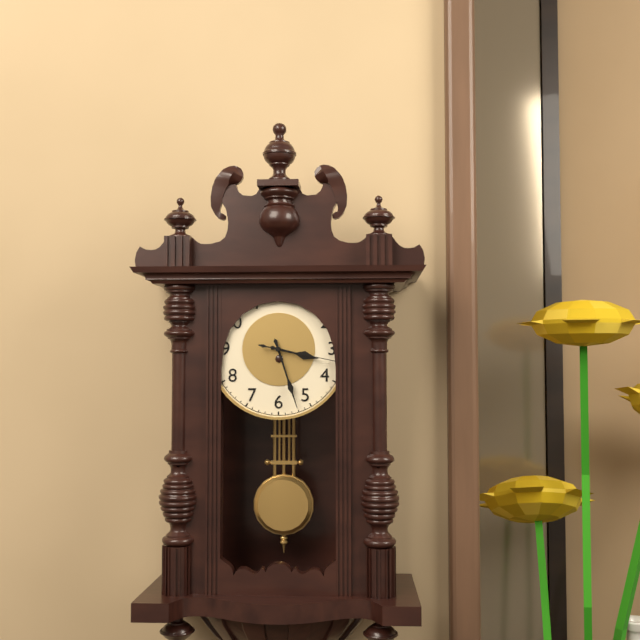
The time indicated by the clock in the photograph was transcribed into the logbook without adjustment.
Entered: 3:27:17
